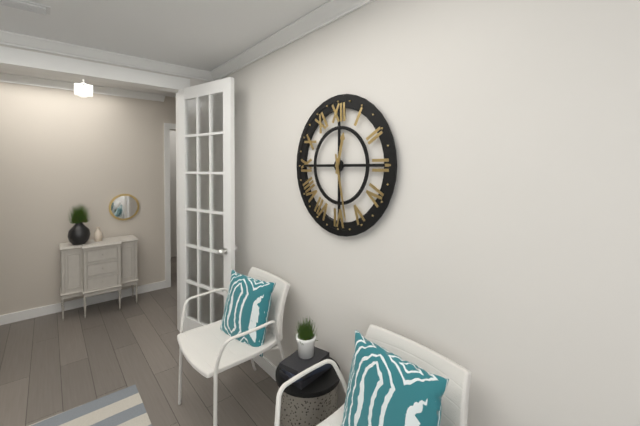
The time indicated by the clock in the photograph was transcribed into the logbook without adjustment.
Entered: 12:28
